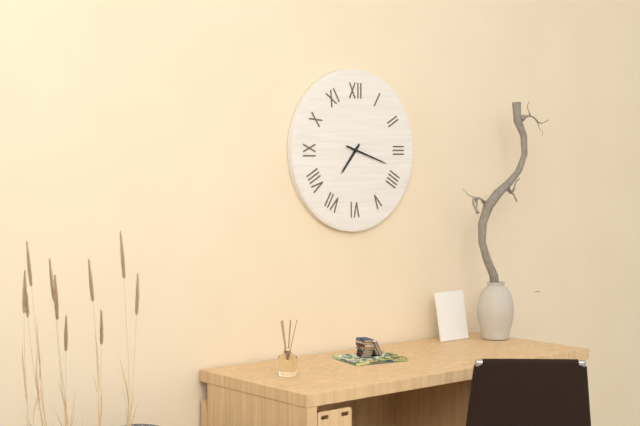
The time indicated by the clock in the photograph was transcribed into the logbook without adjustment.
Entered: 7:18
